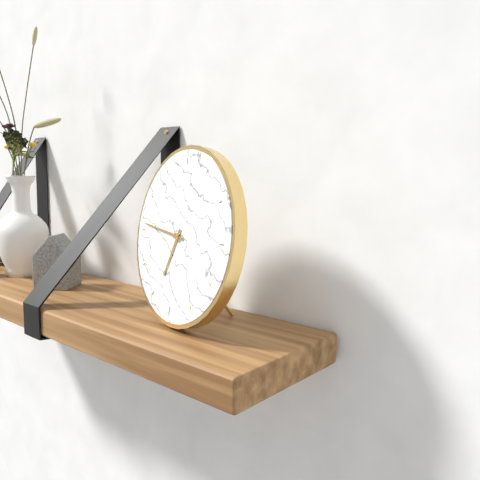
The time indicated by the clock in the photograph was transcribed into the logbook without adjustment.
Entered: 6:46
